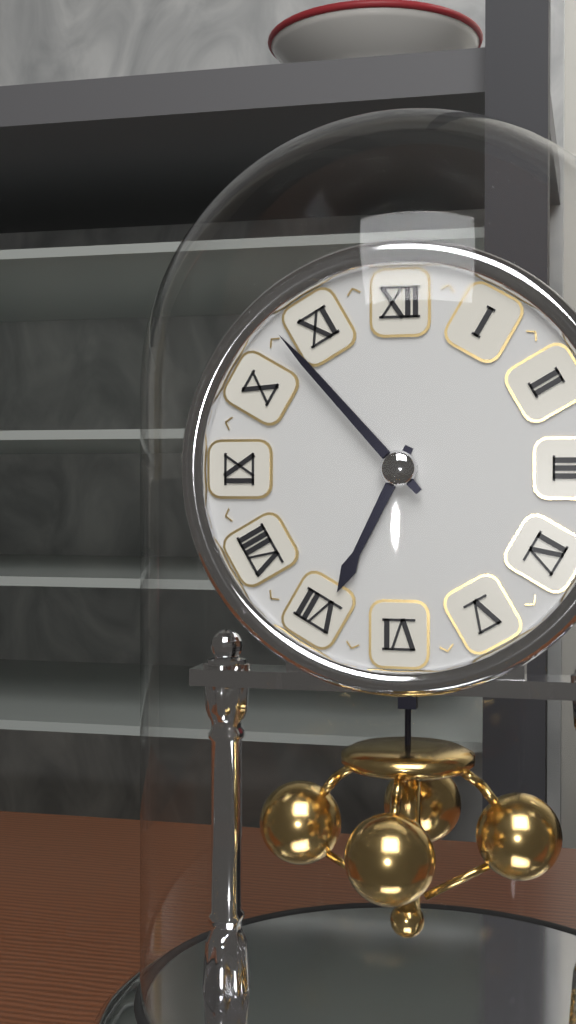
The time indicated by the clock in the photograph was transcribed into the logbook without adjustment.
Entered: 6:53
